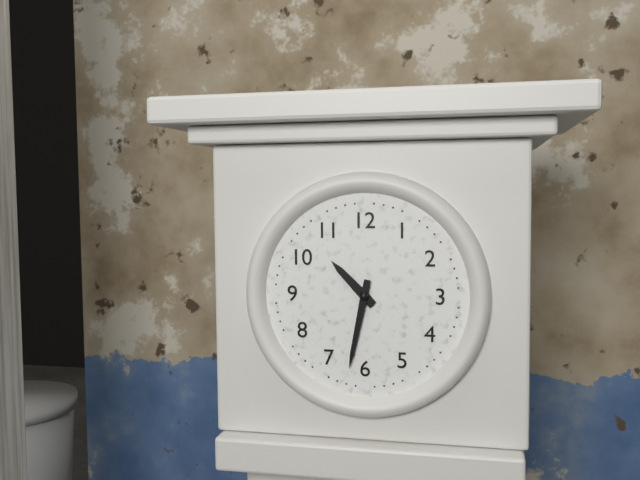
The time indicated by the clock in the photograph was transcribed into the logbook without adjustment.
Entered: 10:32
